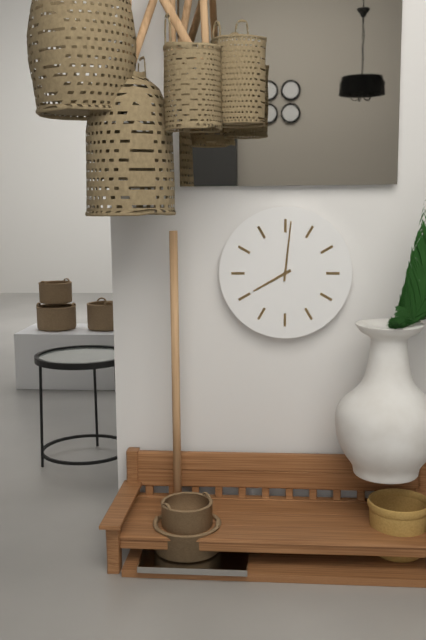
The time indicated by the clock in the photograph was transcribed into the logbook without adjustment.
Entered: 8:01
